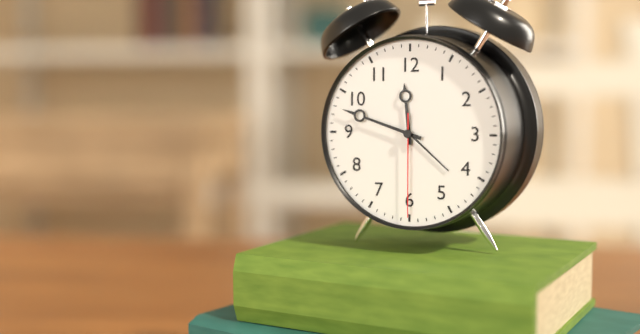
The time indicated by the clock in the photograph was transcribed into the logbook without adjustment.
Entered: 11:48:30
